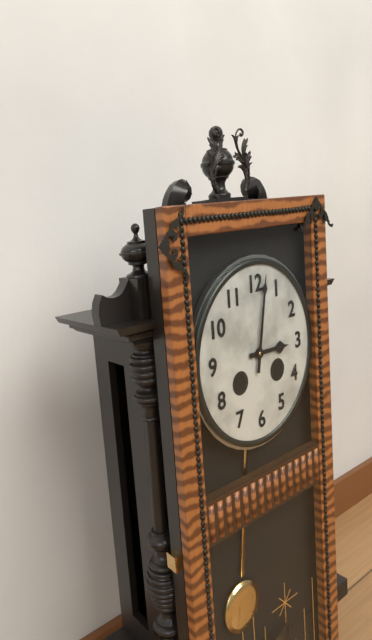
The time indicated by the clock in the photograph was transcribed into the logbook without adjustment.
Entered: 3:02
